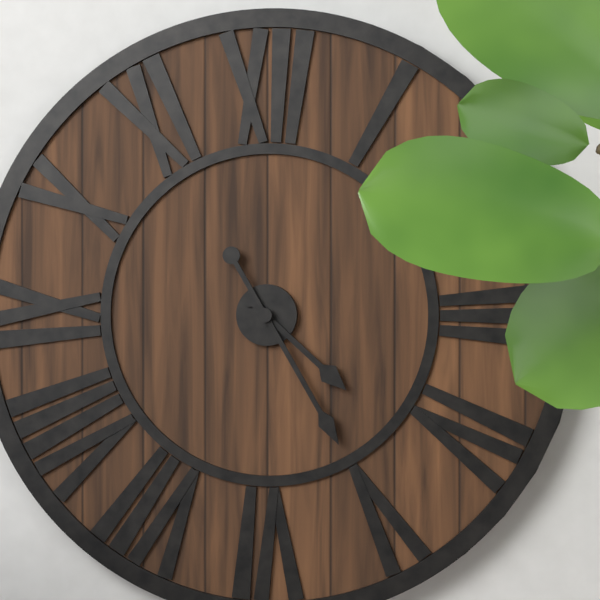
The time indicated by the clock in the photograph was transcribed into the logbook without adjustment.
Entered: 4:25
